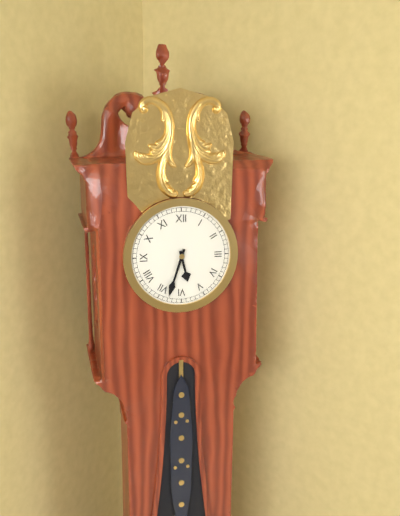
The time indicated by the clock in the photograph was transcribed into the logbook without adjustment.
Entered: 5:33
